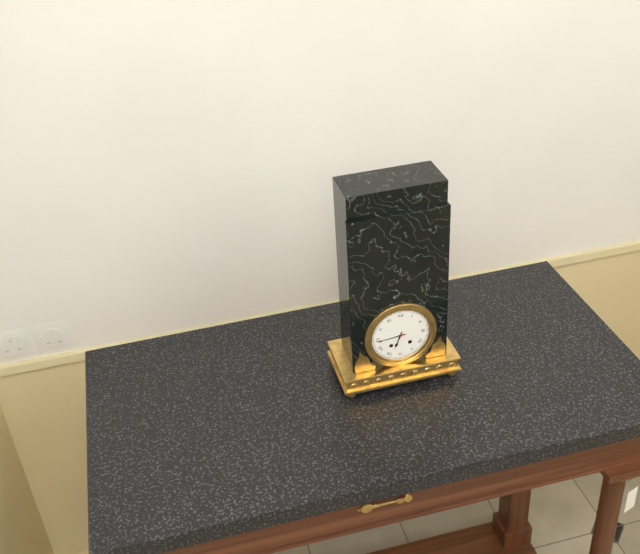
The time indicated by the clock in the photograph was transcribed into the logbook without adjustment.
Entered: 6:44
